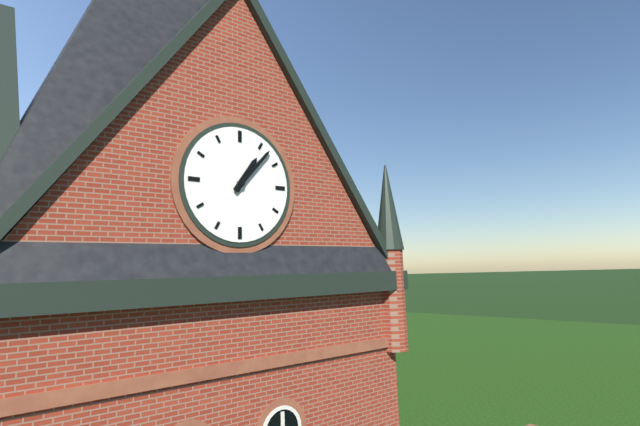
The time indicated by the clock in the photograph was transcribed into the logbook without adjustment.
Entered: 1:07
